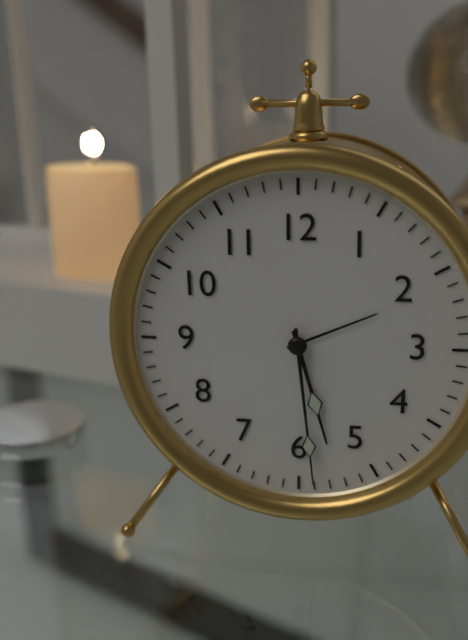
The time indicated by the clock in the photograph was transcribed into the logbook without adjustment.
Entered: 5:29
